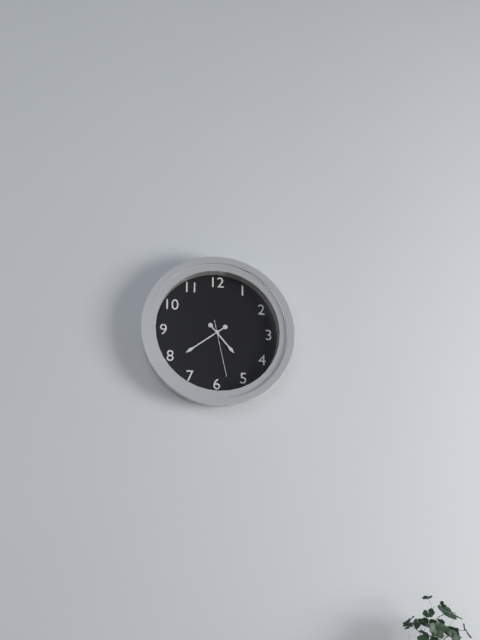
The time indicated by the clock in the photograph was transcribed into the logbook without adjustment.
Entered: 4:39:28
